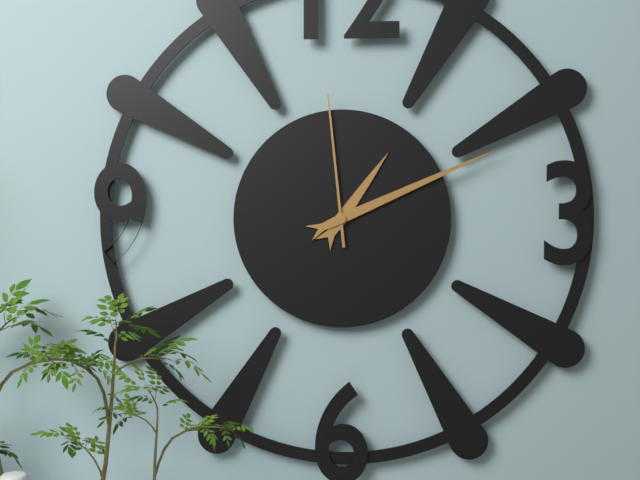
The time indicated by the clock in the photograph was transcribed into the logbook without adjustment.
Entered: 1:11:59
